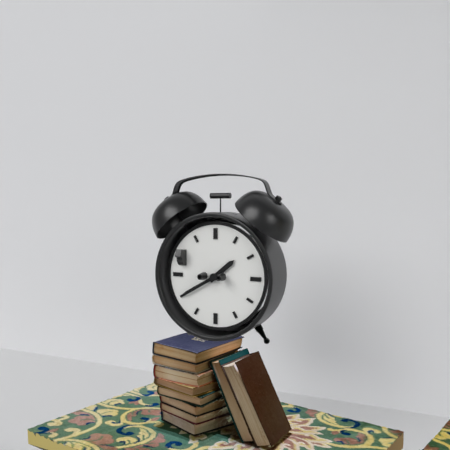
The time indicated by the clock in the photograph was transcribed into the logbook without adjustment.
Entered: 1:40
